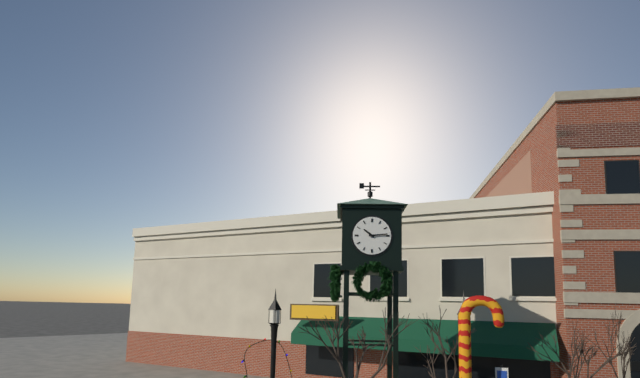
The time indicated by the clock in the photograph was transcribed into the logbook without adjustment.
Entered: 10:14
